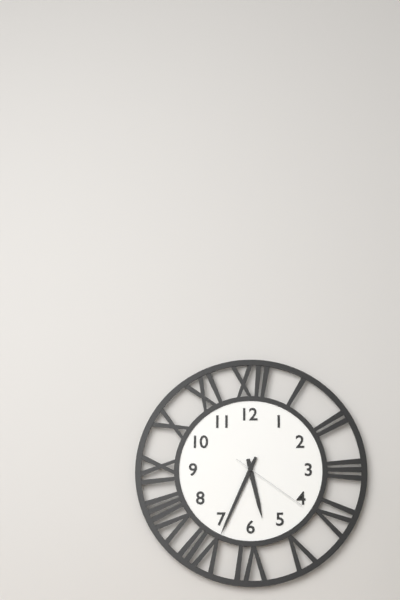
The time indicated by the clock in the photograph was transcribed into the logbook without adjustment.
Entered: 5:34:21
